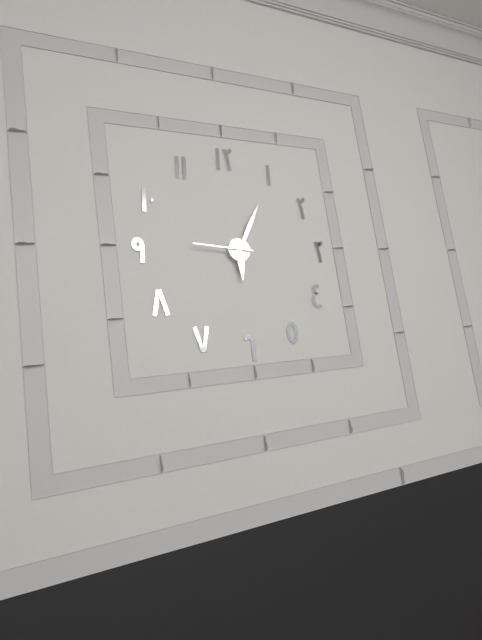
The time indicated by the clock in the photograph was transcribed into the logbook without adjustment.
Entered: 6:05:46
